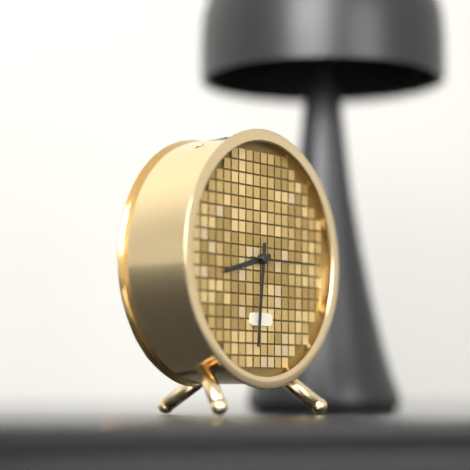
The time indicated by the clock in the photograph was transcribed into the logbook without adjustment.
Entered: 8:31:15
